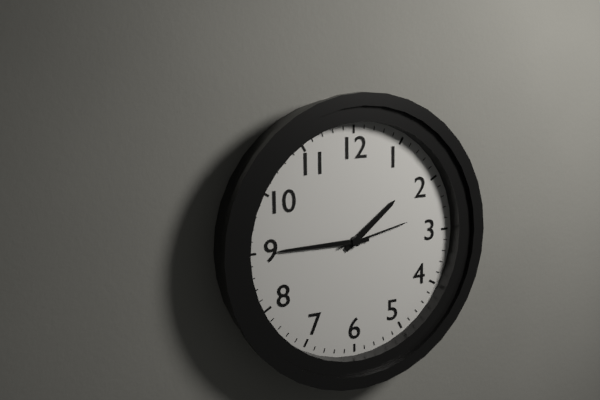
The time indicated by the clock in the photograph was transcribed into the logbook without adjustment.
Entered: 1:45:13
